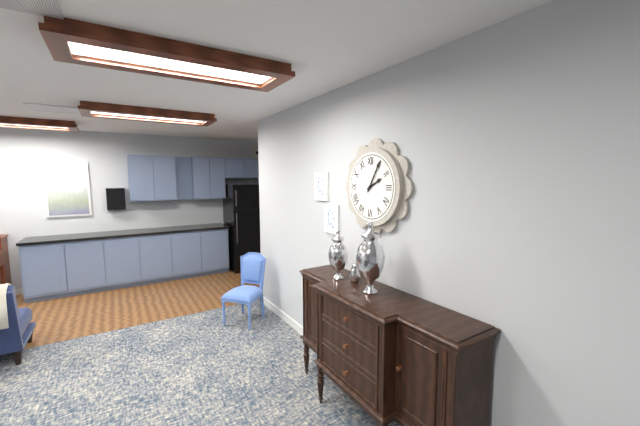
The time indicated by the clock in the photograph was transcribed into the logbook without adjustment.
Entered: 2:05
